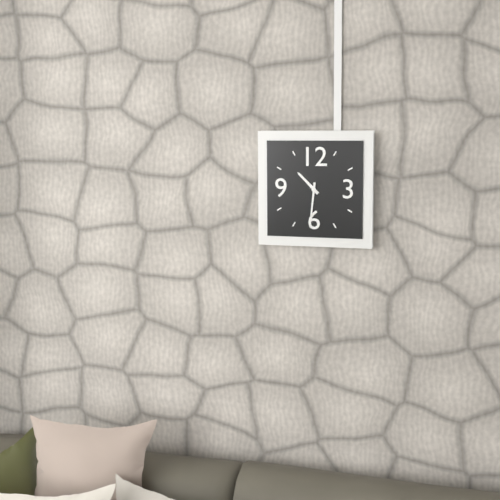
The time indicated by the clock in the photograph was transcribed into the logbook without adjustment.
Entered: 10:31
